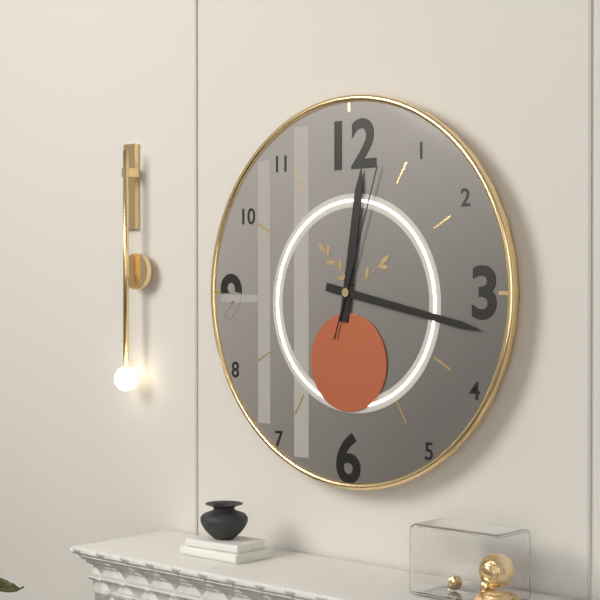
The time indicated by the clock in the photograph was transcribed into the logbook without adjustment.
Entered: 12:17:03
